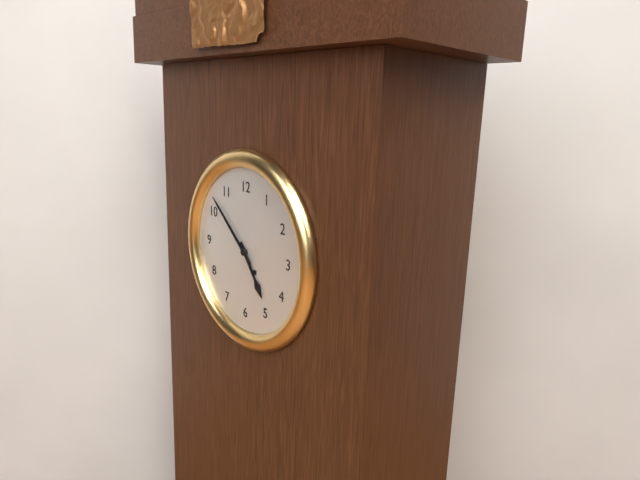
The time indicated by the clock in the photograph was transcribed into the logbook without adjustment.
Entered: 4:52
